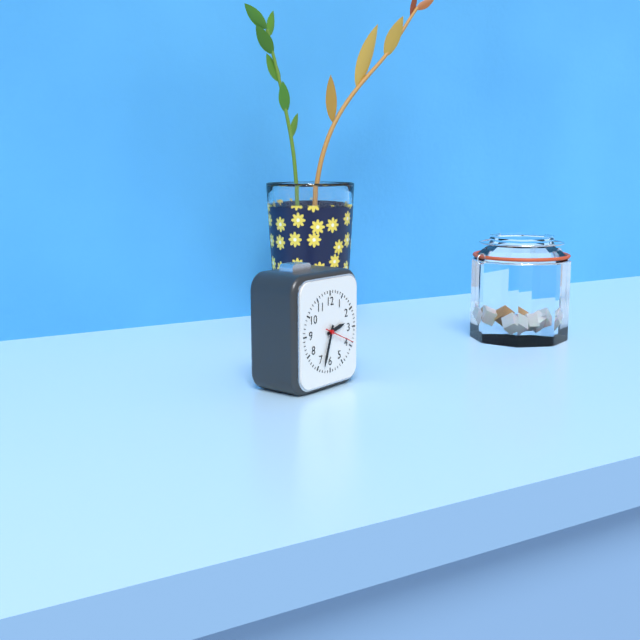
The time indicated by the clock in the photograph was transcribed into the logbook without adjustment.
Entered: 2:33
